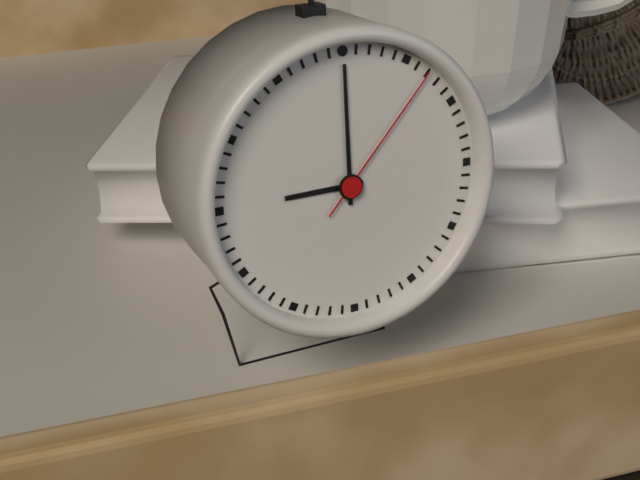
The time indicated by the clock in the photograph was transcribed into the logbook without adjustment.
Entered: 9:00:07
